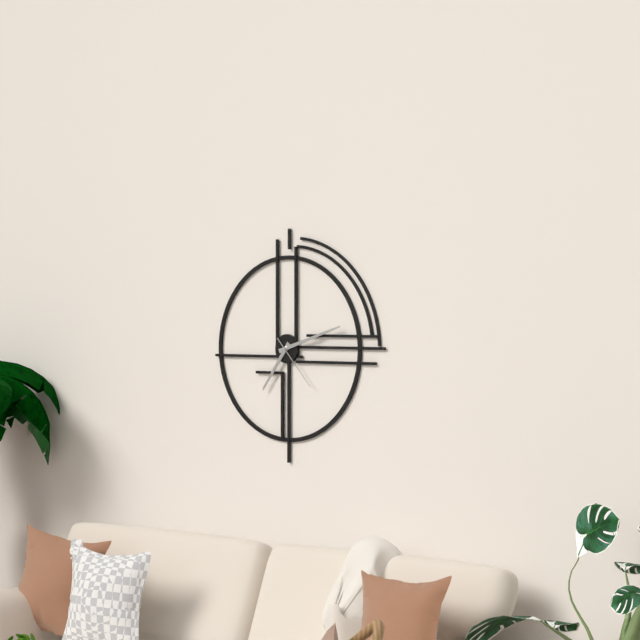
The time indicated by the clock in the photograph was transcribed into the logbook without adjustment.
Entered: 7:12:23
